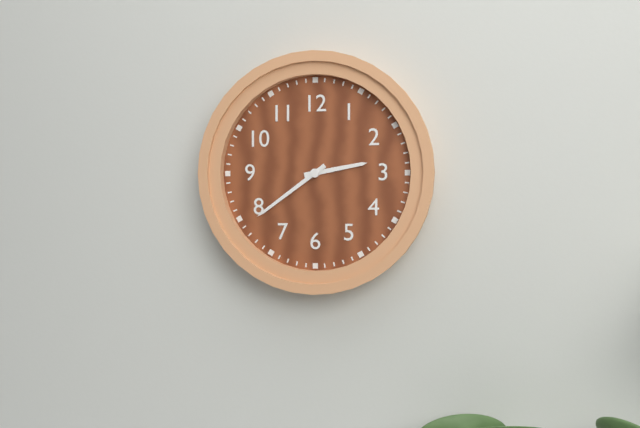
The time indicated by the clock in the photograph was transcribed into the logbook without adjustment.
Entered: 2:39
